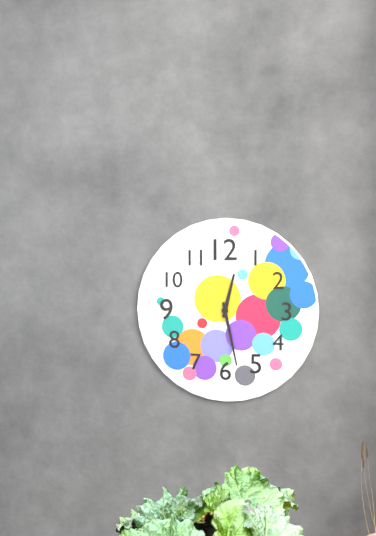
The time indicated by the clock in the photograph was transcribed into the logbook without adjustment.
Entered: 12:28
